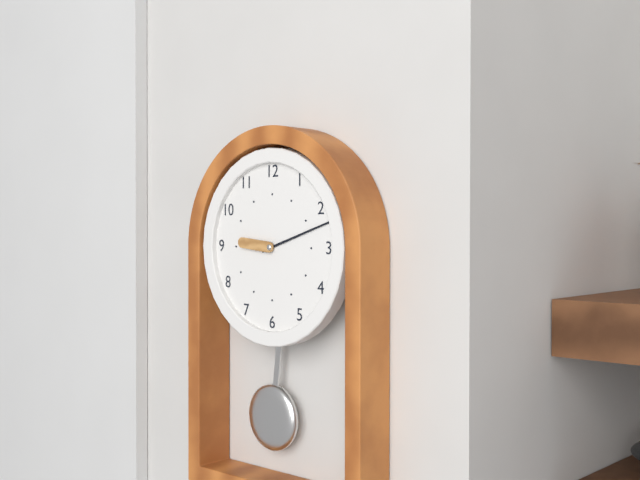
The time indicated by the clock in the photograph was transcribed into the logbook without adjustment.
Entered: 9:12
